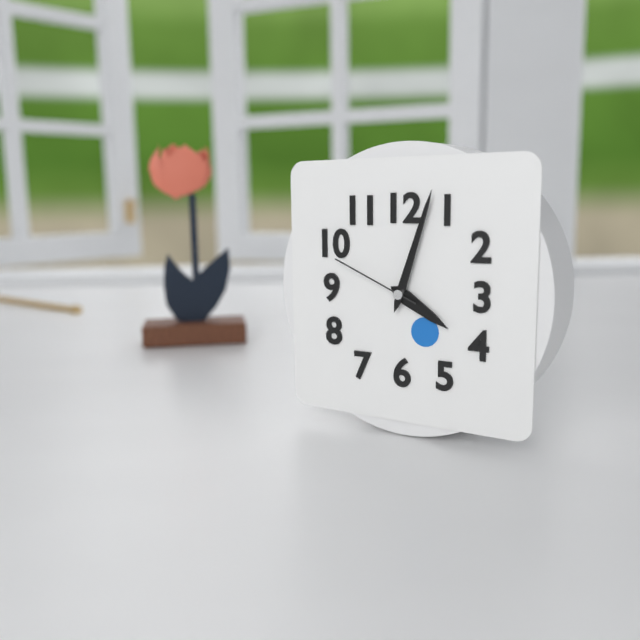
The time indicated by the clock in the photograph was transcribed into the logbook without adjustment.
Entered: 4:03:49
